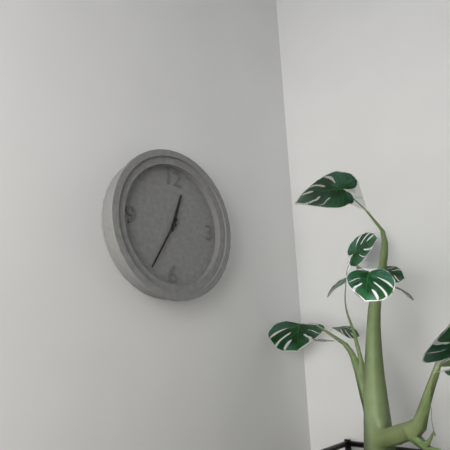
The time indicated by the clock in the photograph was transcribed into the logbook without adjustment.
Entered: 12:35
